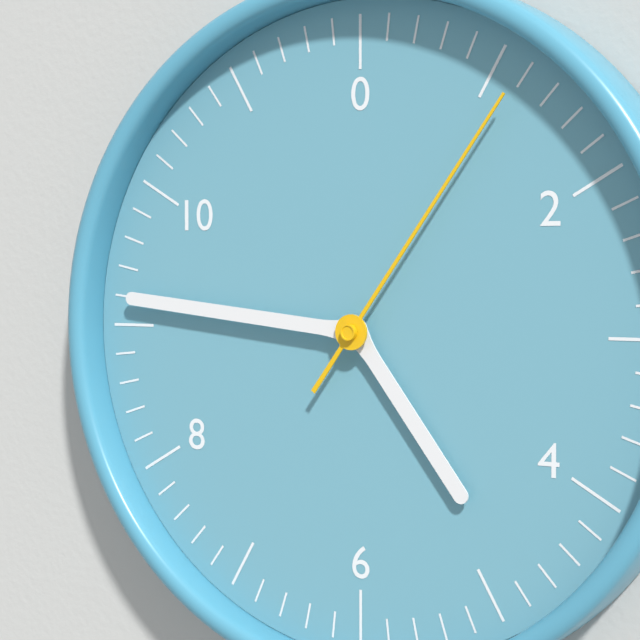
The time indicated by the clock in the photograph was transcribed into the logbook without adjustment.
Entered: 4:46:06
